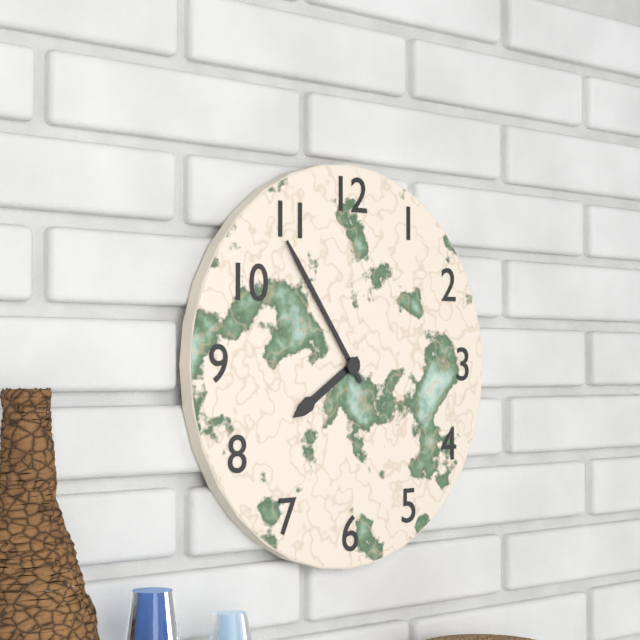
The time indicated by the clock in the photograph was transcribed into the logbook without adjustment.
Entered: 7:54
